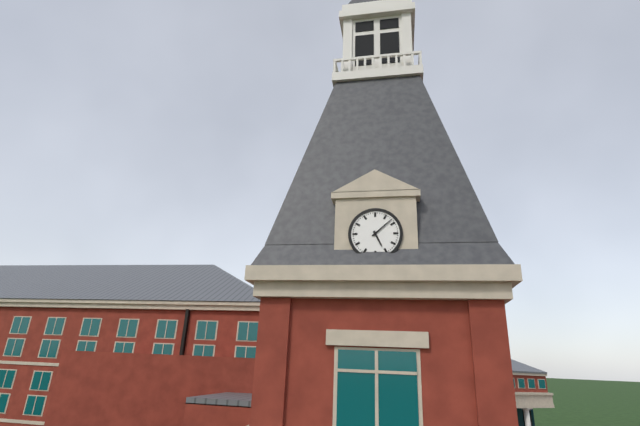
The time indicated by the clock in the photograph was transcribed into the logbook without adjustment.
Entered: 5:08
